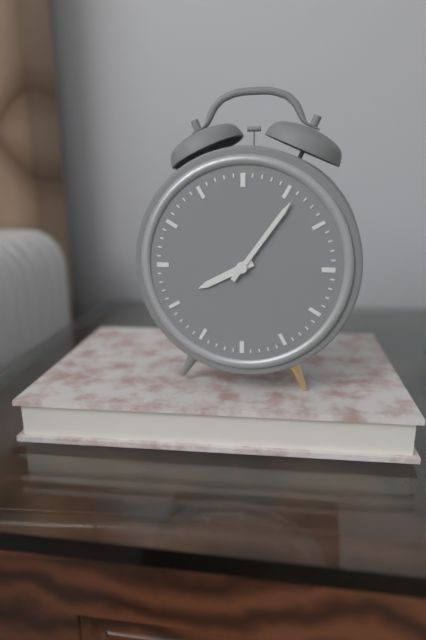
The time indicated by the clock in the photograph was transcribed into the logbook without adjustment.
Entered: 8:06
